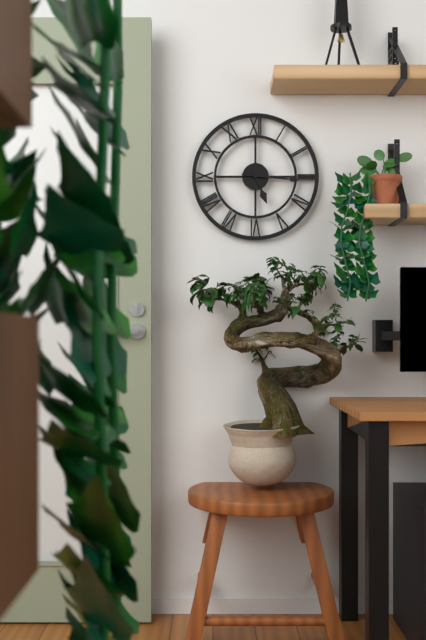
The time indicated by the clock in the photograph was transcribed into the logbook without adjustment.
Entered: 5:16
